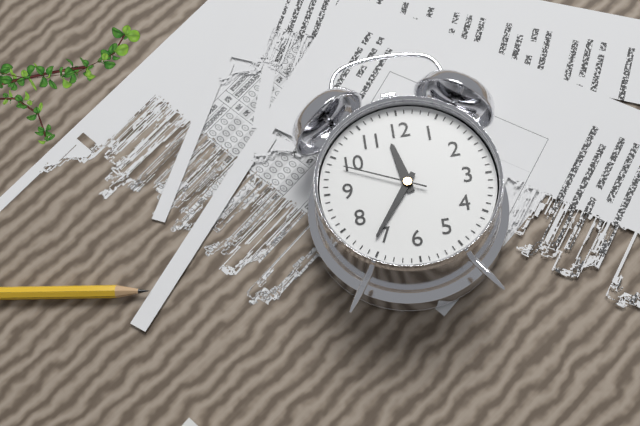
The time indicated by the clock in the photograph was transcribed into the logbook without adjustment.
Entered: 11:36:49
